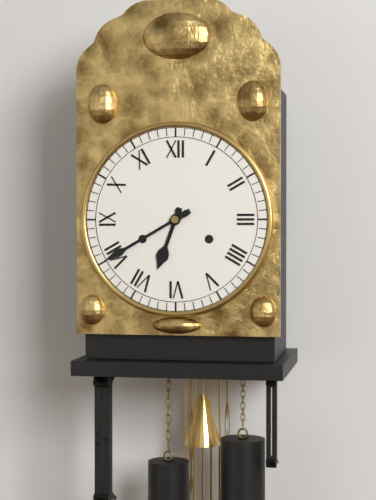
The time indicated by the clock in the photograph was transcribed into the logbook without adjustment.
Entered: 6:40
